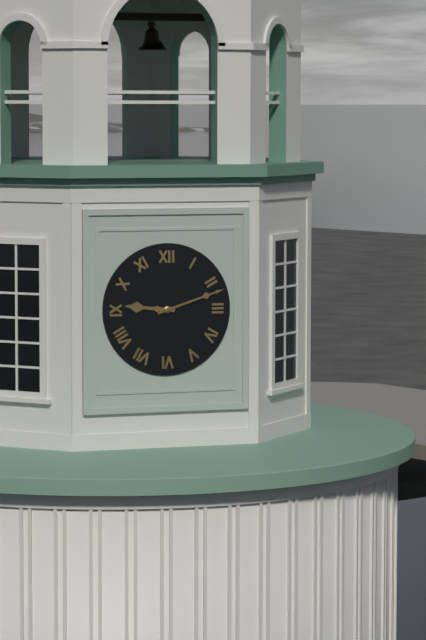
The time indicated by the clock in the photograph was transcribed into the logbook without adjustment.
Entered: 9:12
